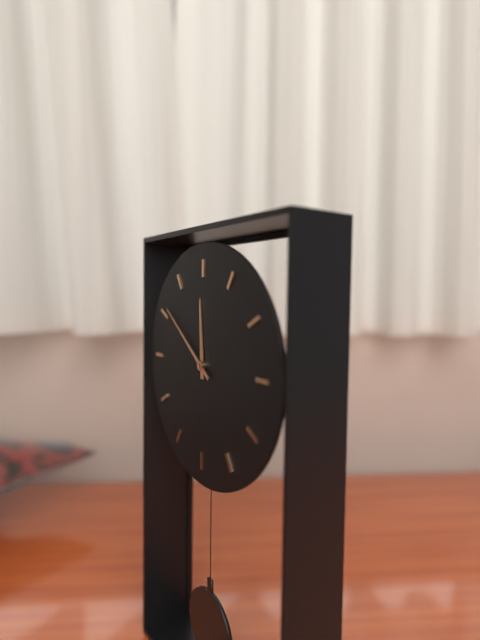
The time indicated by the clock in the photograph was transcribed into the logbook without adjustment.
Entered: 11:51
